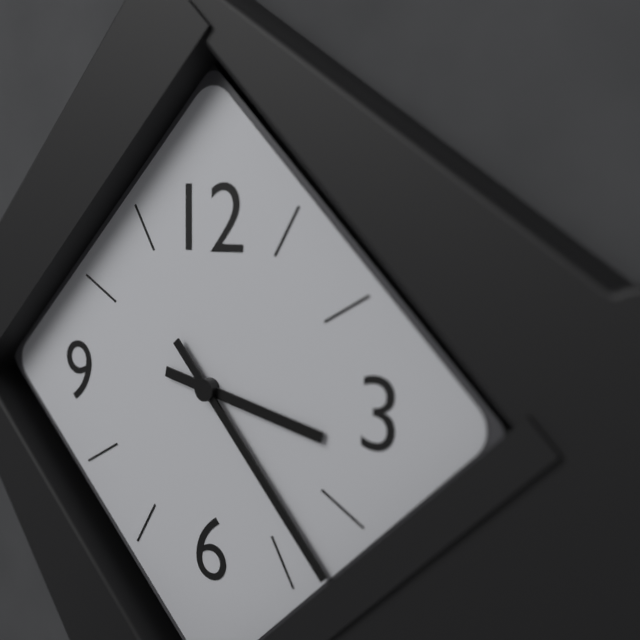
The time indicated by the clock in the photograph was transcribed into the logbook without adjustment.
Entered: 3:23
